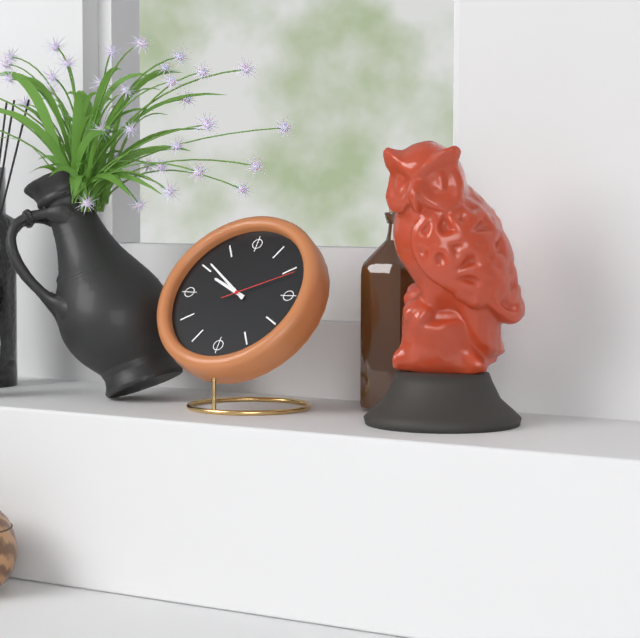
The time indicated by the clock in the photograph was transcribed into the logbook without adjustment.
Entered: 9:51:11
